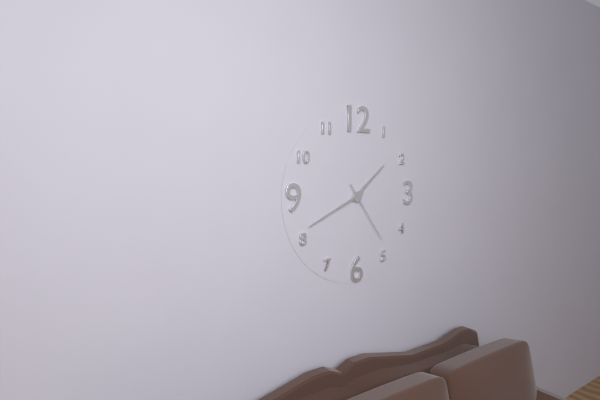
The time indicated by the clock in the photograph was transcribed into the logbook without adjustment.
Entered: 1:41:24
